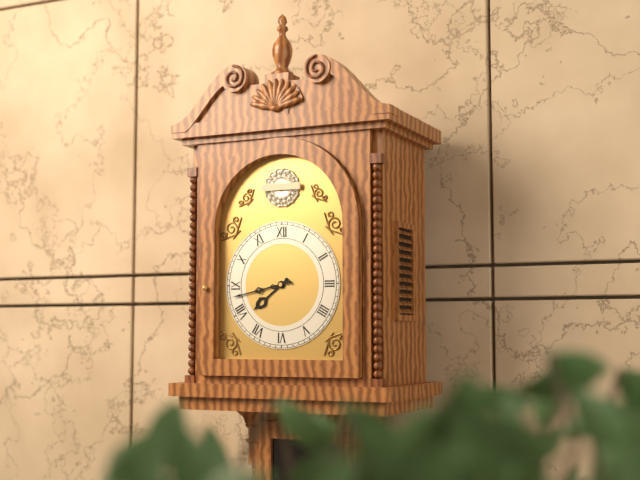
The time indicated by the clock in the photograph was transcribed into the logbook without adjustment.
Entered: 7:43
